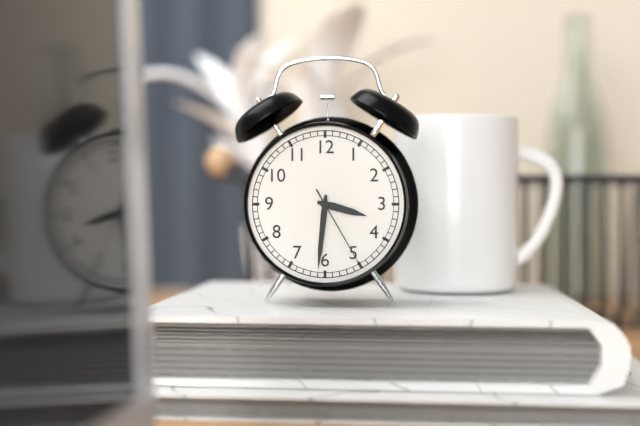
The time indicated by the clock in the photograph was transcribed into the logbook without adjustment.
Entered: 3:31:25
